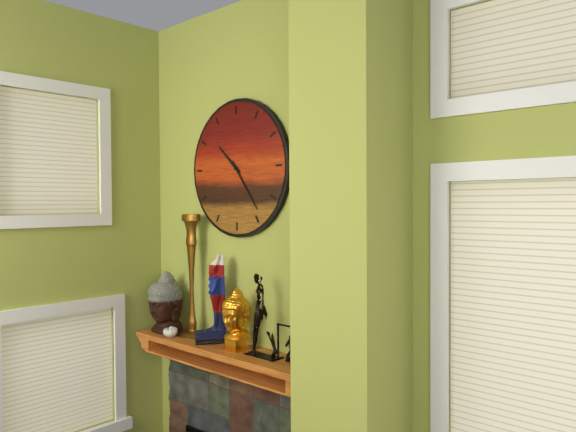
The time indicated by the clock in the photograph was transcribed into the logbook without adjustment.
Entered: 10:24
